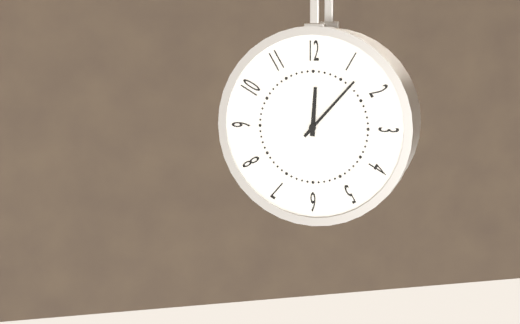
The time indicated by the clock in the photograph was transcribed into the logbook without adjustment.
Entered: 12:07
